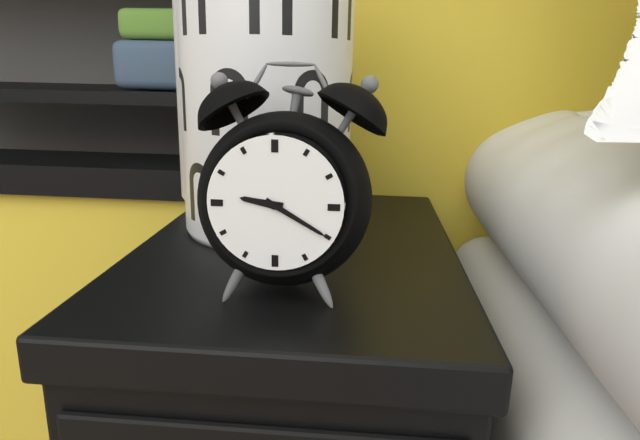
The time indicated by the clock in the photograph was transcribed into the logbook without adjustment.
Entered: 9:20
